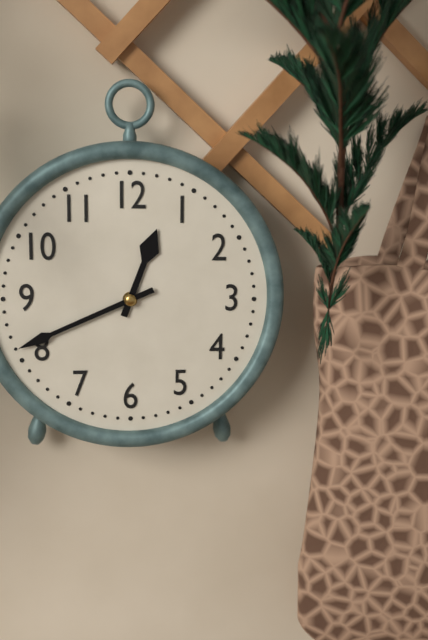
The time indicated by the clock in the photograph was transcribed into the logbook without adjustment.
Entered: 12:41
